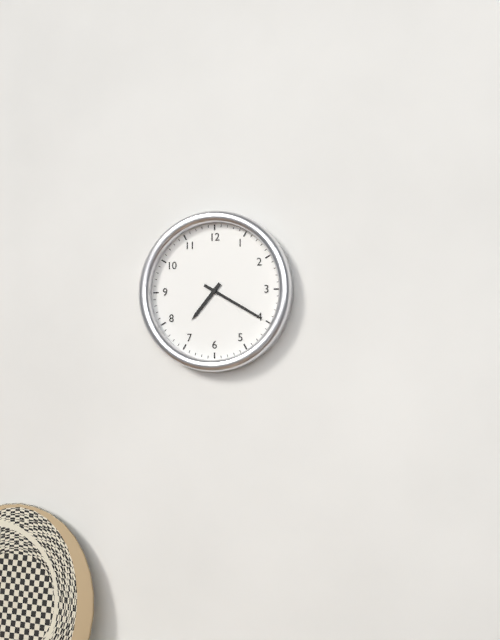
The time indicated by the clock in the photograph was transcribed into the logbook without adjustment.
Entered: 7:20
